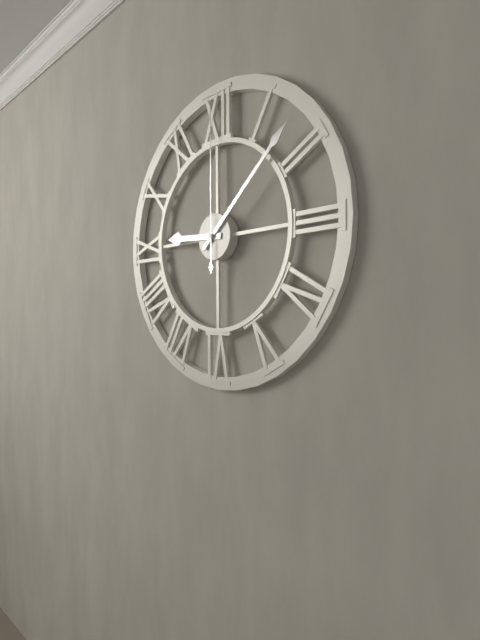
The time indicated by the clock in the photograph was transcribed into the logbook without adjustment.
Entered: 9:08:00
